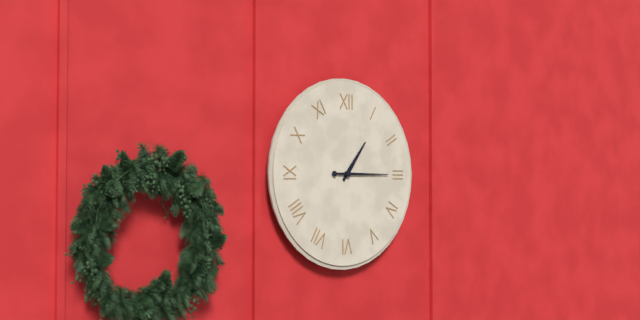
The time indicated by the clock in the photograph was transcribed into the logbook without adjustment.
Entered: 1:15
